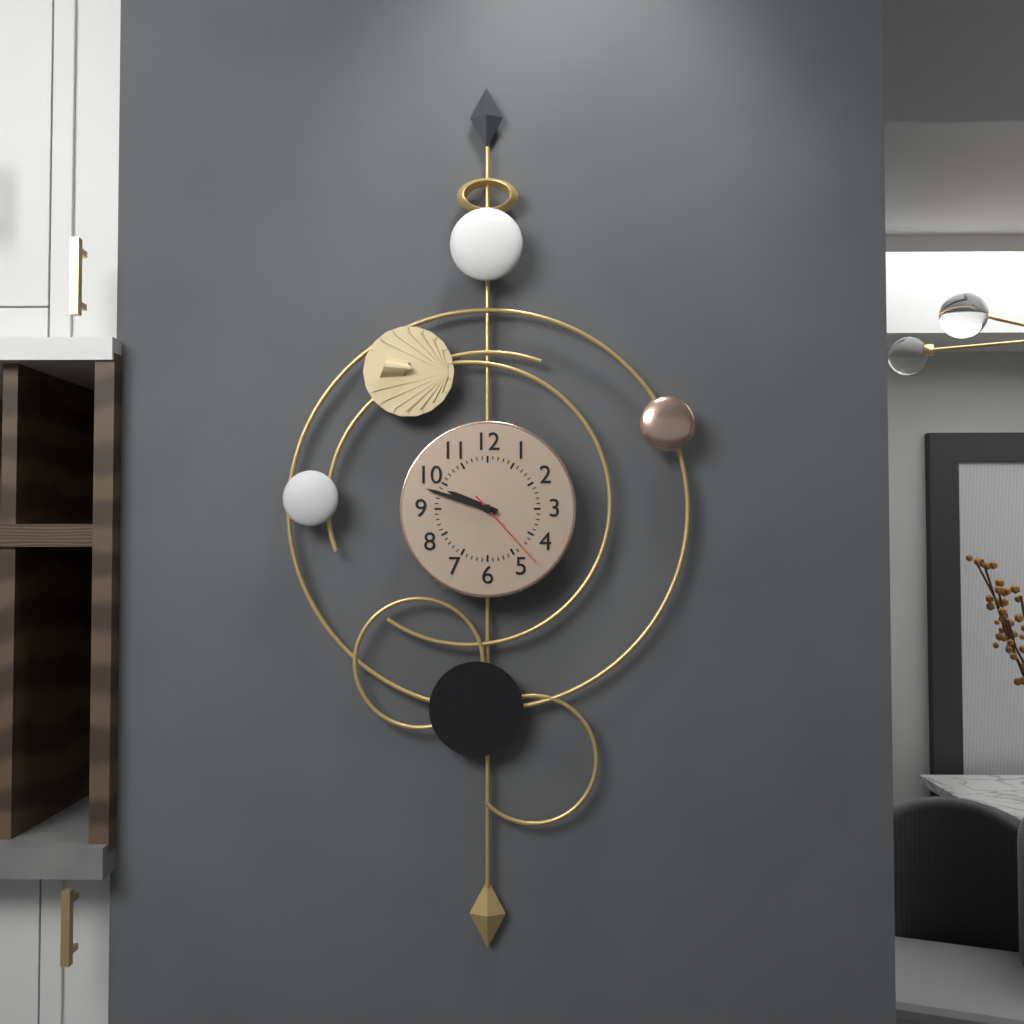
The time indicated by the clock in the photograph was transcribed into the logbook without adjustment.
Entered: 9:48:23
